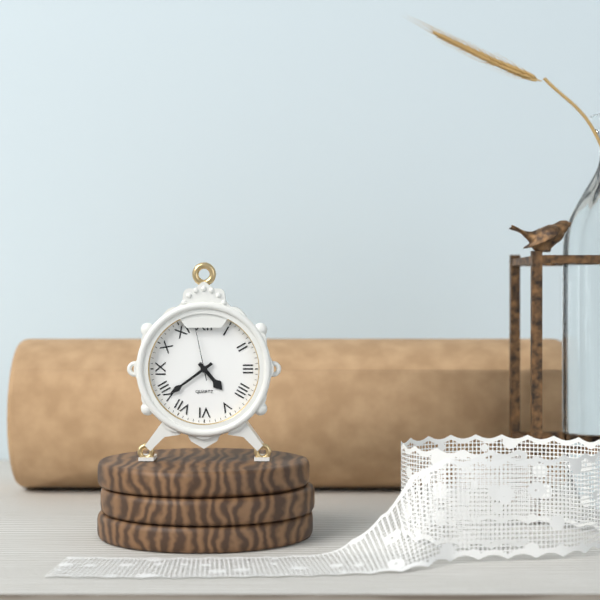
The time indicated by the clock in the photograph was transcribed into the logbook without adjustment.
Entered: 4:39:58
